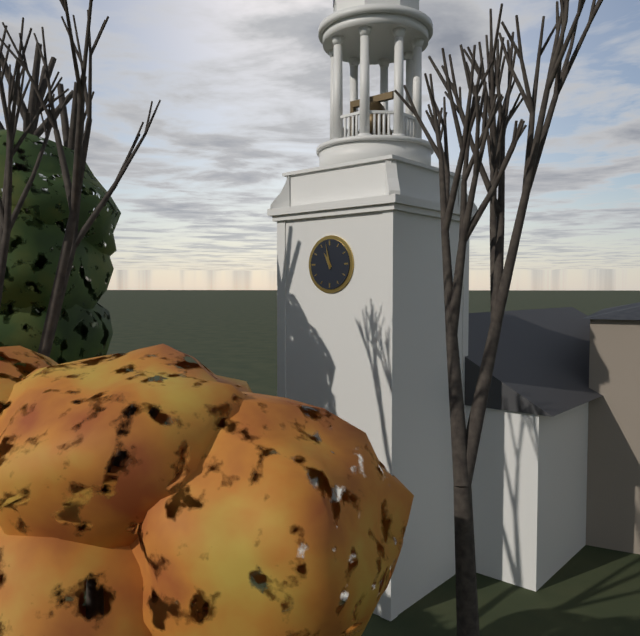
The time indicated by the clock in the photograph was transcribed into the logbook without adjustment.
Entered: 10:58
